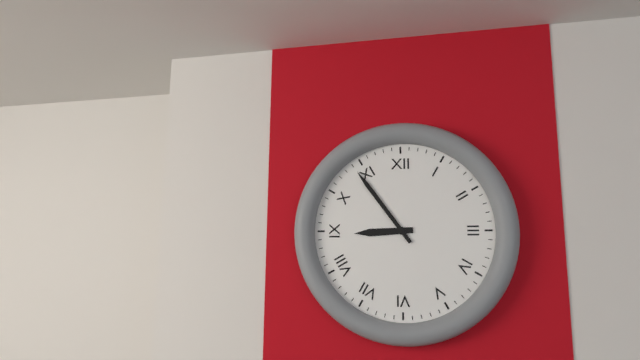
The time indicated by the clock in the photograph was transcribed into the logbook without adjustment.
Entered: 8:54
